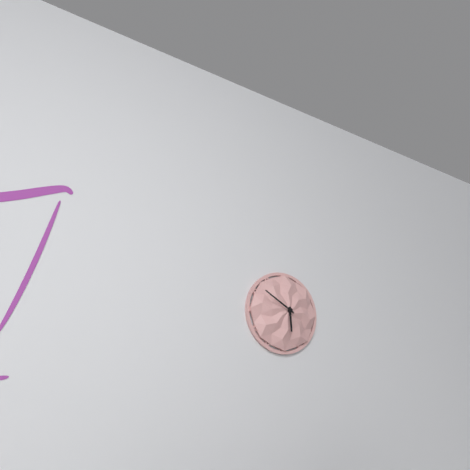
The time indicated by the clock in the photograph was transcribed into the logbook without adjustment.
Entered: 5:50
